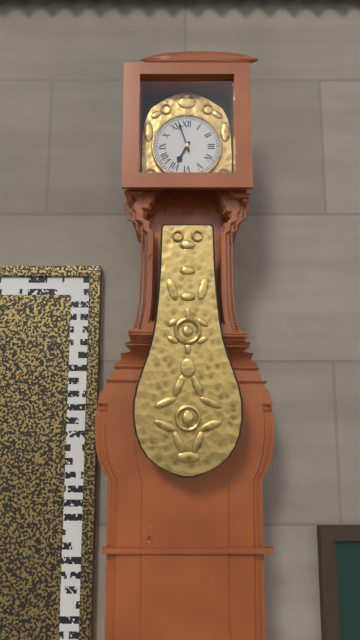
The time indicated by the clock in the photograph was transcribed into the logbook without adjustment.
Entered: 6:57
